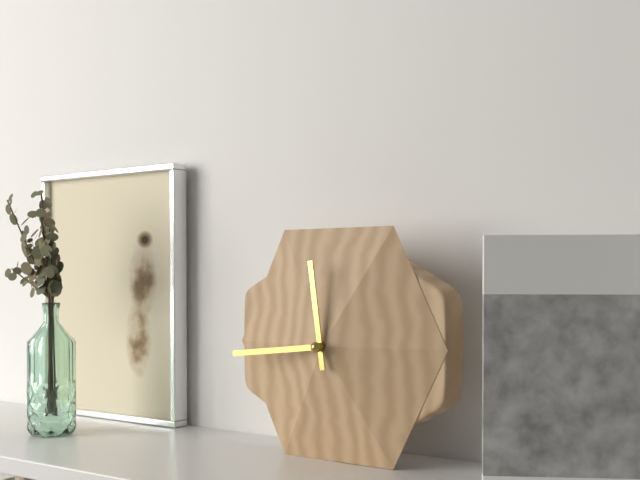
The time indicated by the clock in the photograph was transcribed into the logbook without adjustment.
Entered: 11:44
